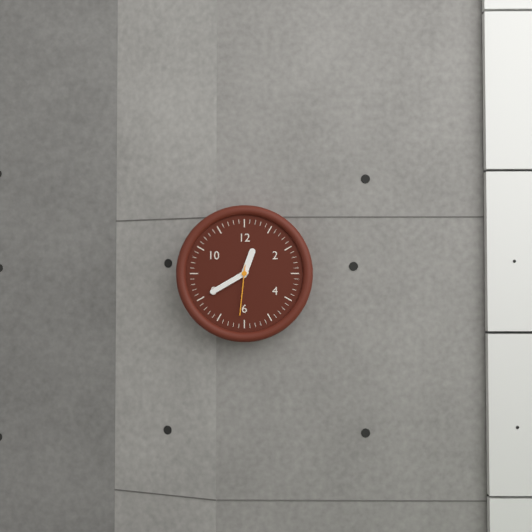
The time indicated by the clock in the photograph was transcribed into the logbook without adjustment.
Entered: 12:40:31
